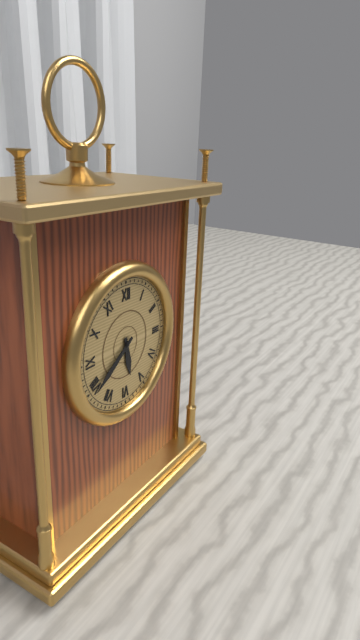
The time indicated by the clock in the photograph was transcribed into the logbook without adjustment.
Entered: 5:39
